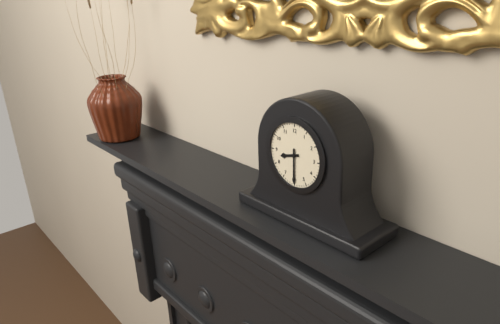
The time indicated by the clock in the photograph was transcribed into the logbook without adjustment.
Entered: 8:30
